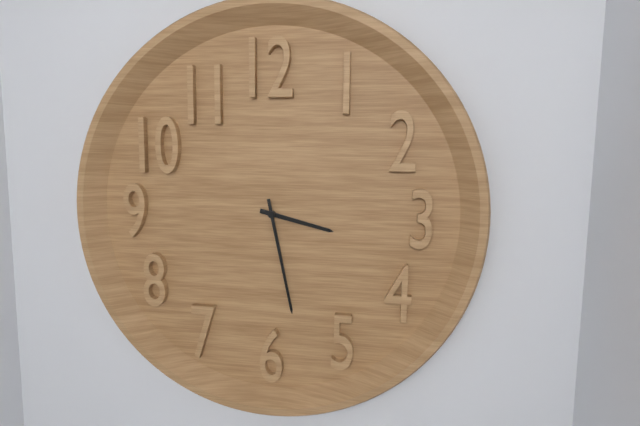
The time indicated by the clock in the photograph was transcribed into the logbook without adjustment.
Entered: 3:28
